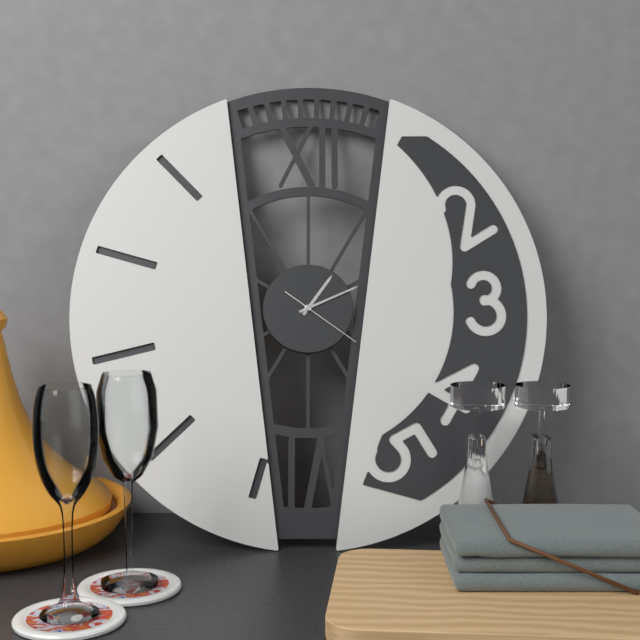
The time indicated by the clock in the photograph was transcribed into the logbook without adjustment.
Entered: 1:11:21
